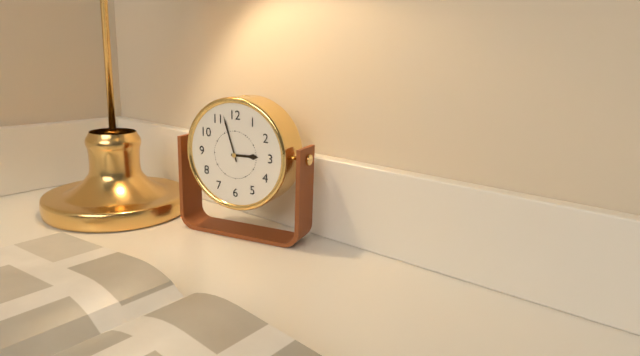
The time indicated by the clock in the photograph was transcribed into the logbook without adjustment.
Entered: 2:57
